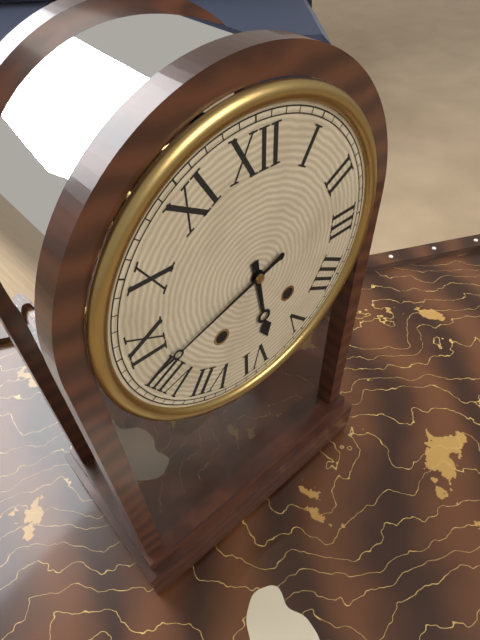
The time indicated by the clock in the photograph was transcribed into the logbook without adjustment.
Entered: 5:42
